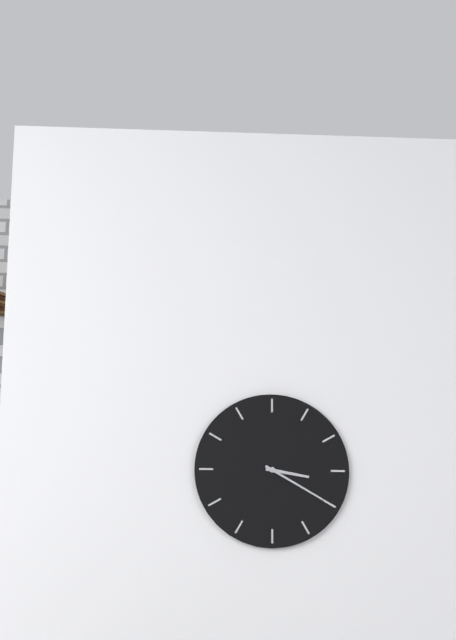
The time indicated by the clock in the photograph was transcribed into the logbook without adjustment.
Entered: 3:20
